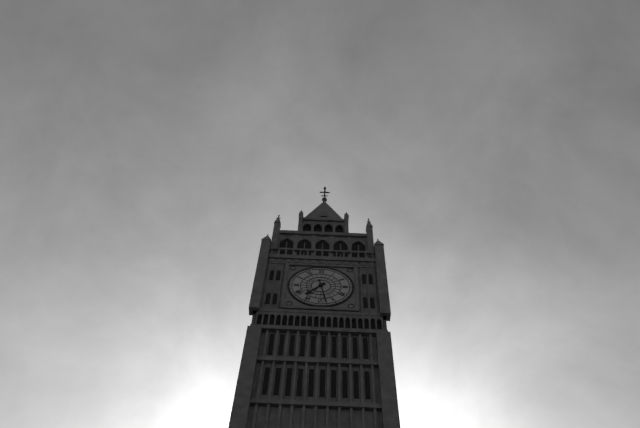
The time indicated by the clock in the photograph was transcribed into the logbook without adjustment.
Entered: 7:28
